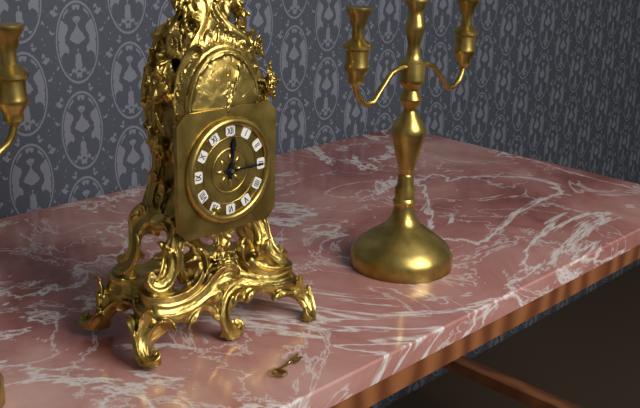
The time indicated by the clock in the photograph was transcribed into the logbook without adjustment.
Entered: 12:15
